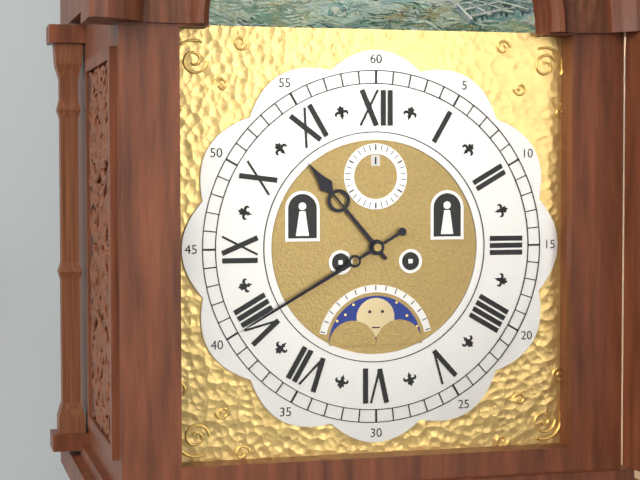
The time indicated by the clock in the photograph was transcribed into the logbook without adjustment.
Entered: 10:40
